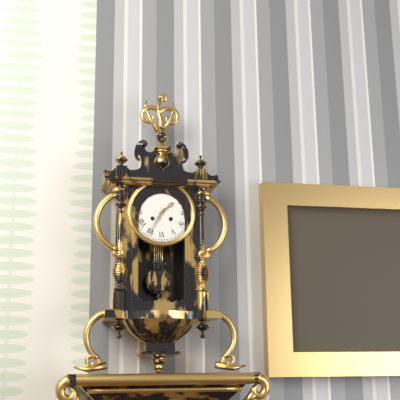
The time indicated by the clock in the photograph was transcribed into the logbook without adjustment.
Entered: 1:35
